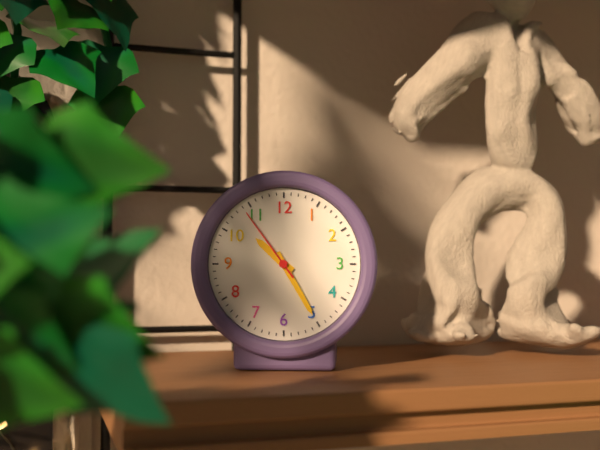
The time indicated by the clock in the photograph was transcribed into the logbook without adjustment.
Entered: 10:25:54
